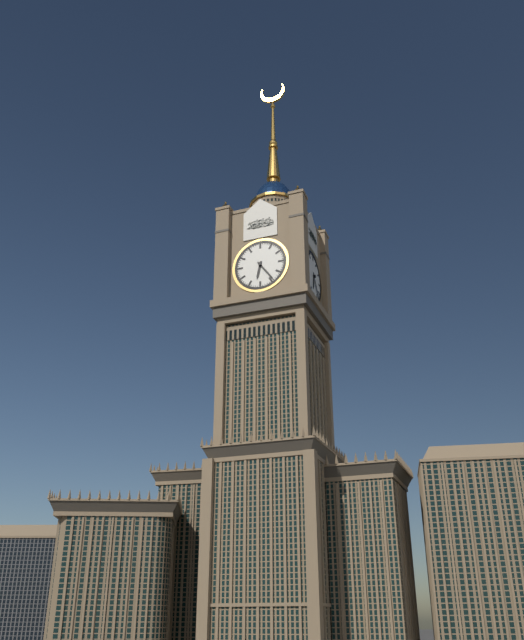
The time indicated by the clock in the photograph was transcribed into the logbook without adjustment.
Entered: 6:24
